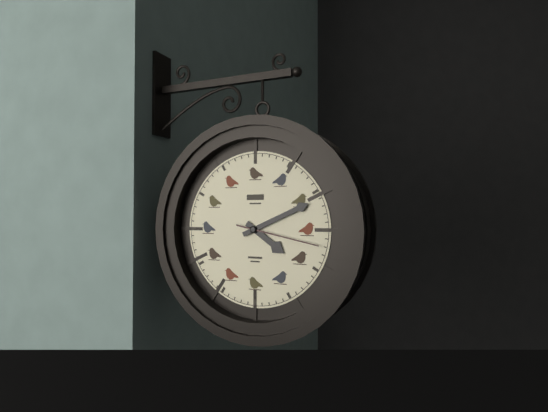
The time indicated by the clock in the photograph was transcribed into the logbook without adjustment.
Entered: 4:11:17
